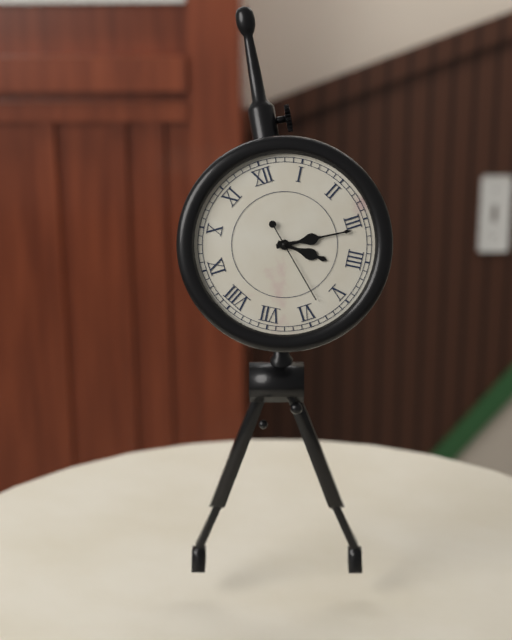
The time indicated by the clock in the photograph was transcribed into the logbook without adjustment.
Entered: 4:16:28
